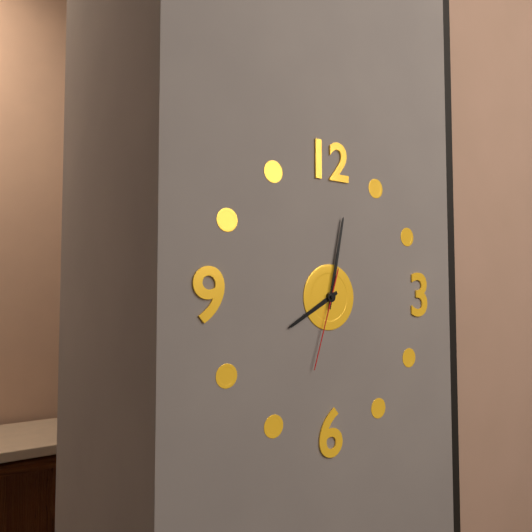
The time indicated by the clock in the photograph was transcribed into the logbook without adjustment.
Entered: 8:02:33
